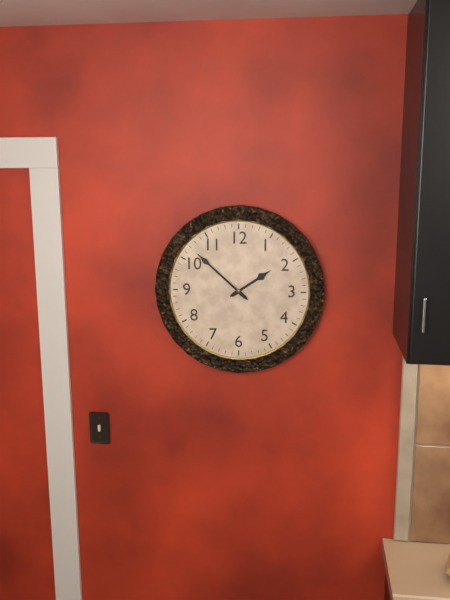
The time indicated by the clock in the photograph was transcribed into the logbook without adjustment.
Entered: 1:52
